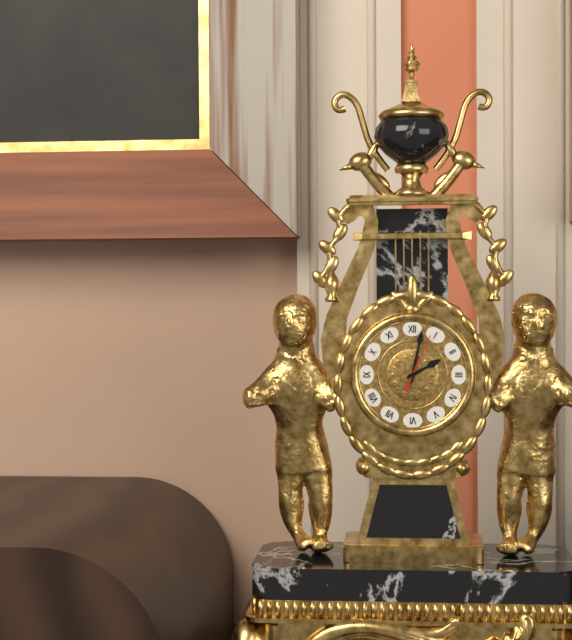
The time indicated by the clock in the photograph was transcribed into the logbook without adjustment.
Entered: 2:02:04
